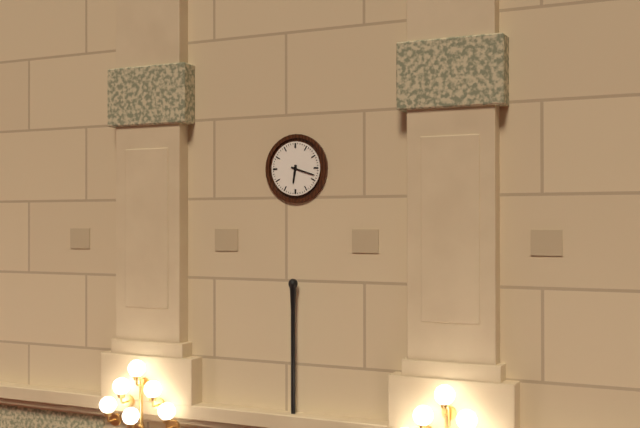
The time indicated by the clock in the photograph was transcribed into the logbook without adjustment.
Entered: 6:18
